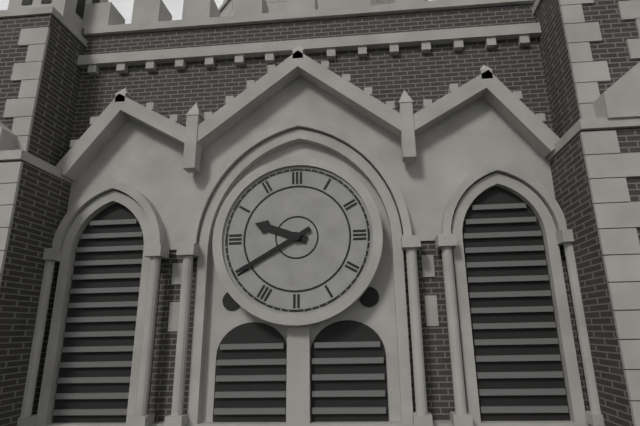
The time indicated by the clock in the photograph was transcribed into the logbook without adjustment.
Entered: 9:40
